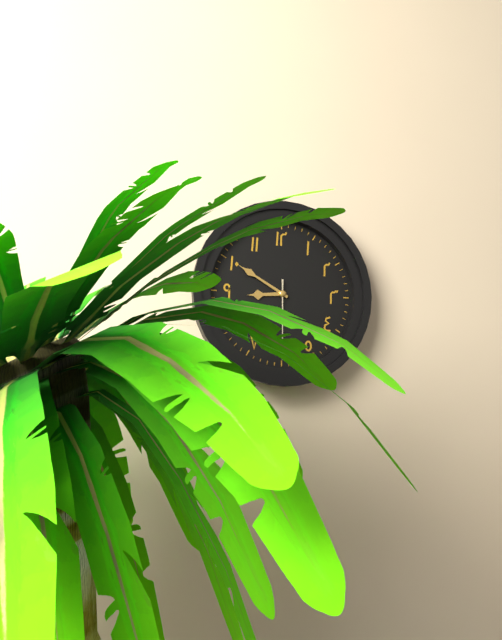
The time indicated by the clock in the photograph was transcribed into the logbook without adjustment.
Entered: 8:50:30
